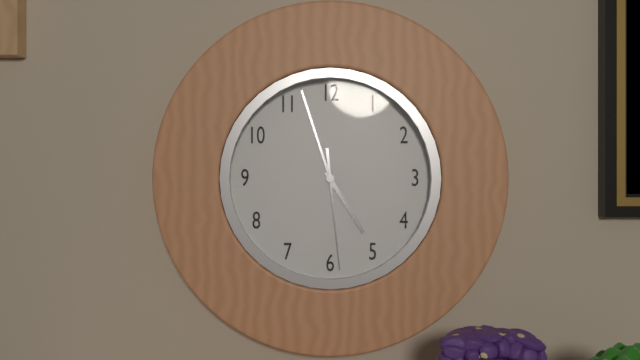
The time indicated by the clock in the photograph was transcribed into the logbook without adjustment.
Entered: 4:57:29
